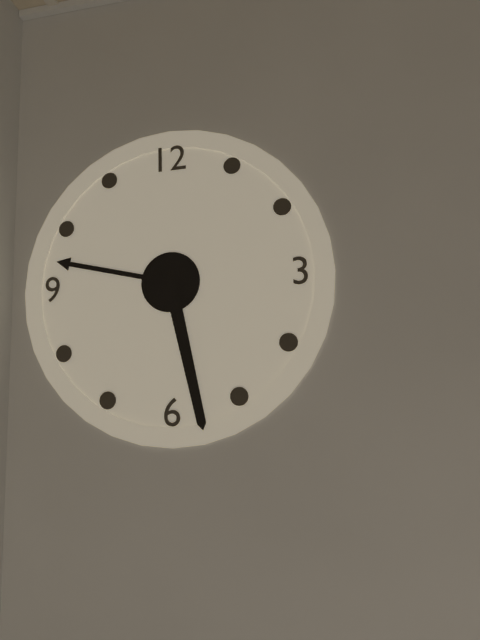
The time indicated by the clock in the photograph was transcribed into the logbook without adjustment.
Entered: 9:28
